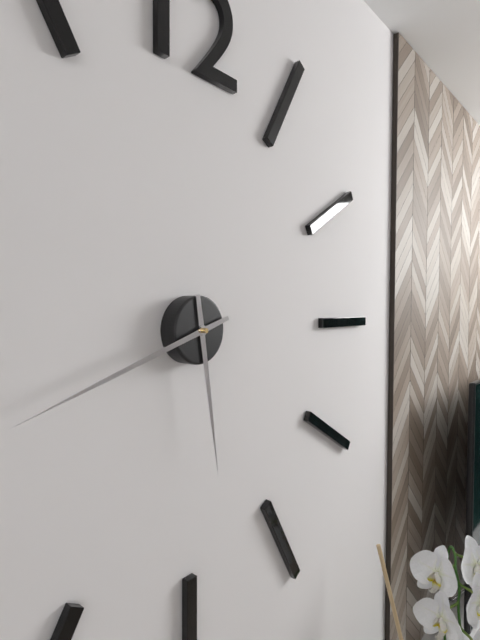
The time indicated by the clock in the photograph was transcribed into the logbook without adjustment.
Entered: 5:42
